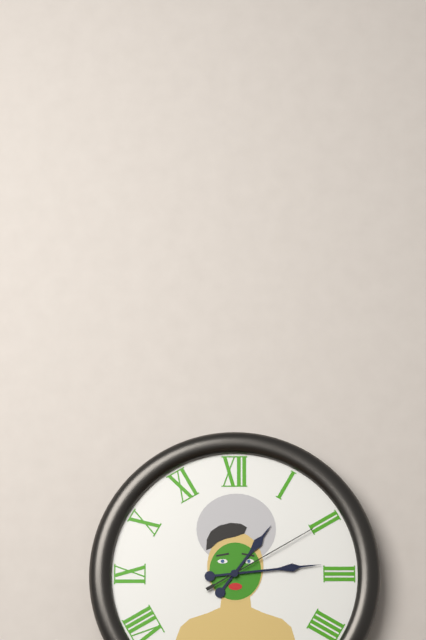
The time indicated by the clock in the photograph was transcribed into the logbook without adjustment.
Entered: 1:14:10
